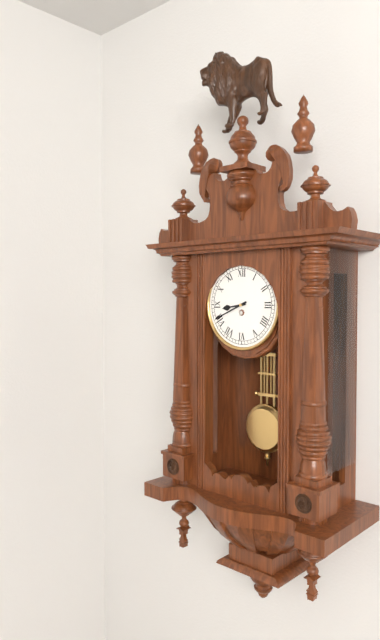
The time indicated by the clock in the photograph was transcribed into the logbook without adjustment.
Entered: 8:41
